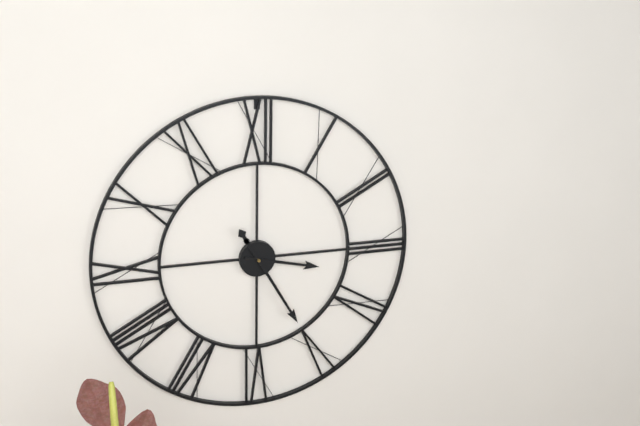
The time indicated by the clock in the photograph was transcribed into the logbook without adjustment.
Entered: 3:25
